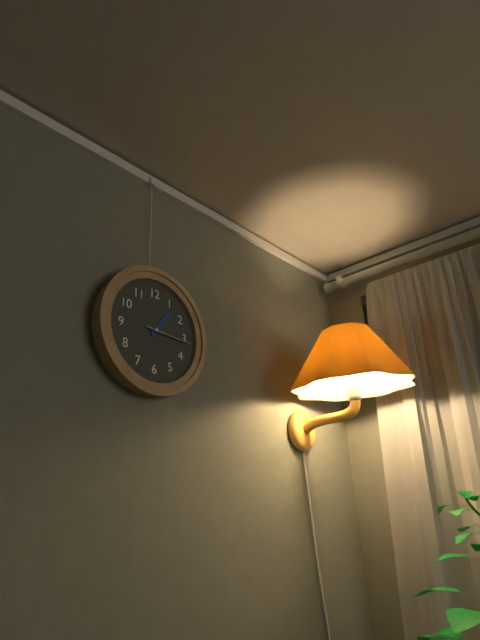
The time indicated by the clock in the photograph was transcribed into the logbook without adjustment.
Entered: 1:16
